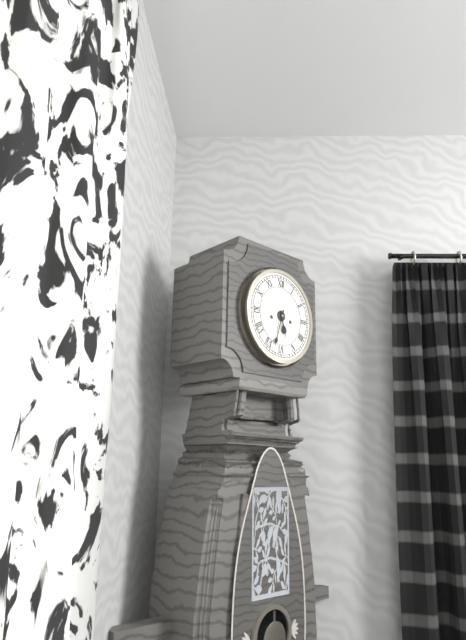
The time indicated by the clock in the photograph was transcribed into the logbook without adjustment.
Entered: 5:33
